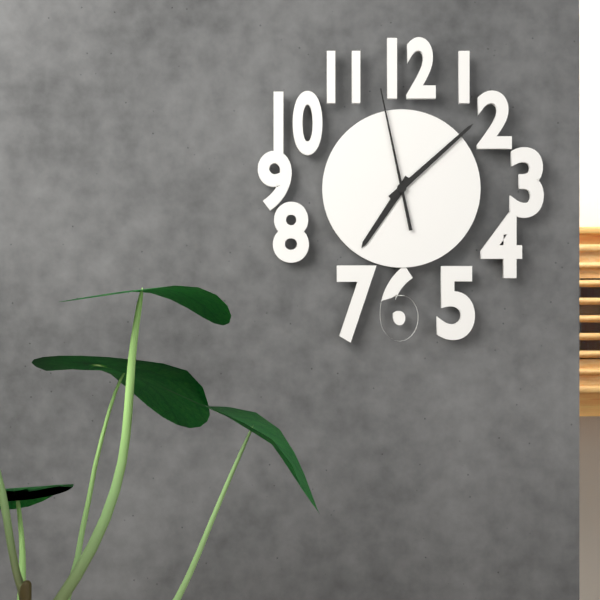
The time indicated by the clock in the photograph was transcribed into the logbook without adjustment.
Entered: 7:08:58
